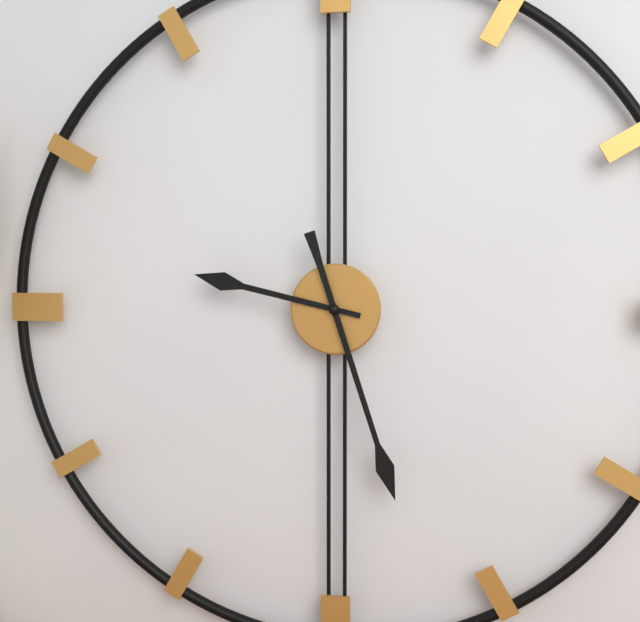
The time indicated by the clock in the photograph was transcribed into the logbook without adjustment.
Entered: 9:27
